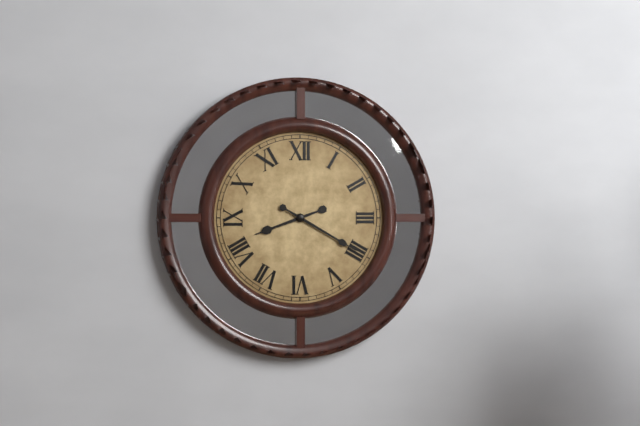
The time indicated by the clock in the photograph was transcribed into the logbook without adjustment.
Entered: 8:20
